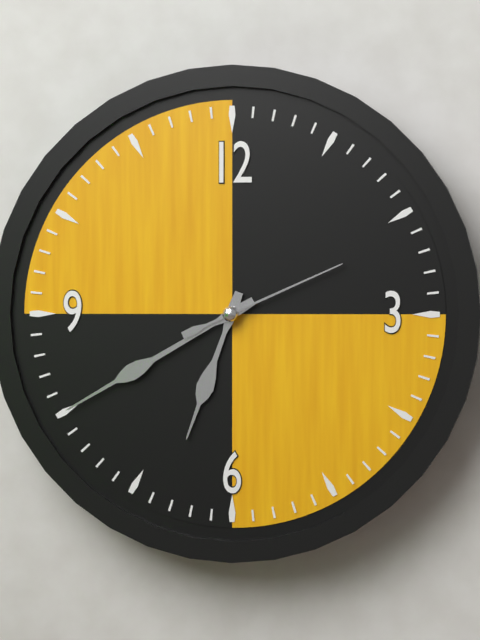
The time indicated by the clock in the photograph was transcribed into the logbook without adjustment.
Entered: 6:40:11
